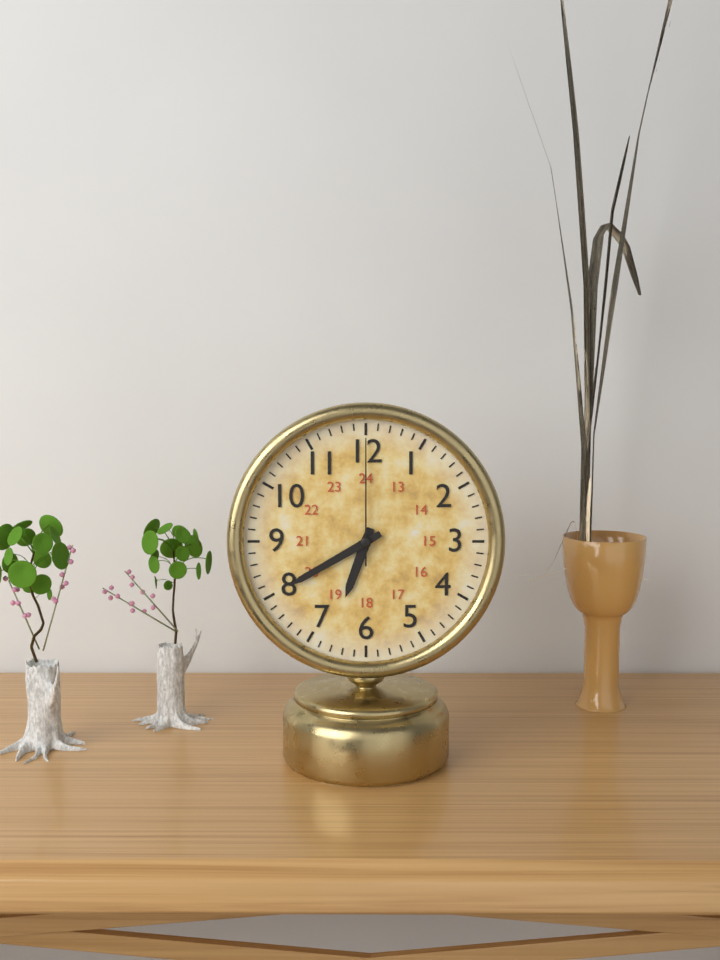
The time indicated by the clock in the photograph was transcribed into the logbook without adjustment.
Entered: 6:40:00
